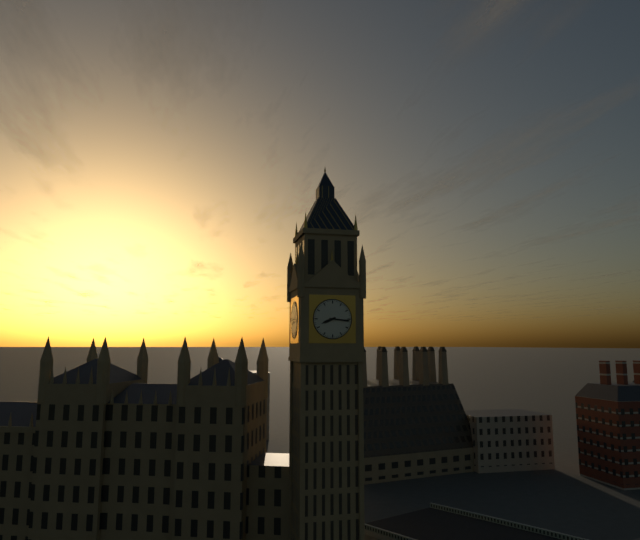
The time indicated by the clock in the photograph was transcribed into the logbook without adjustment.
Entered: 8:16
